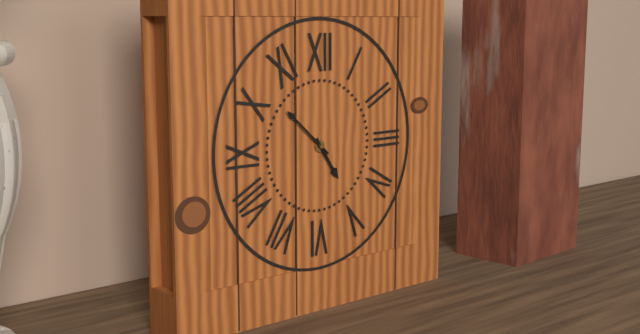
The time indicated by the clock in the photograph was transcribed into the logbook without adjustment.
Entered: 4:52
